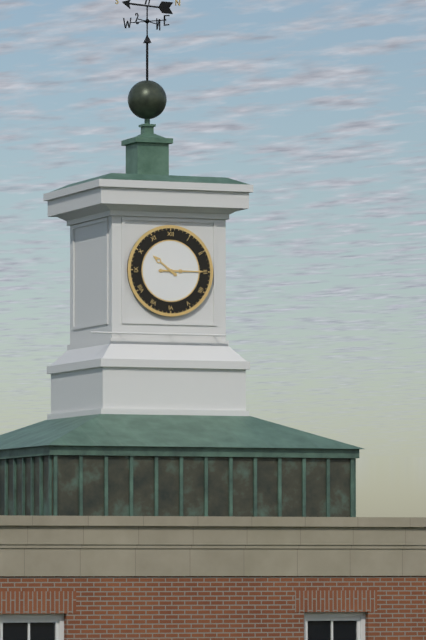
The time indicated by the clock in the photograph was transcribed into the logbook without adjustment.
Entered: 10:15
